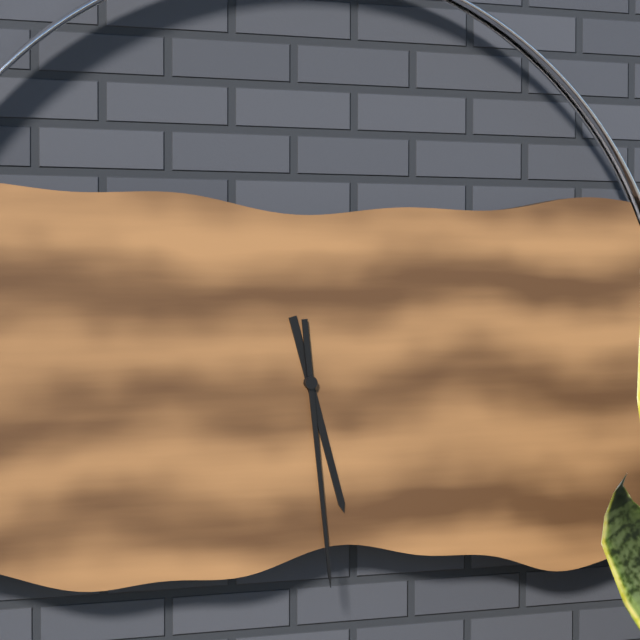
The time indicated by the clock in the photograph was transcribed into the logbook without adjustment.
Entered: 5:29
